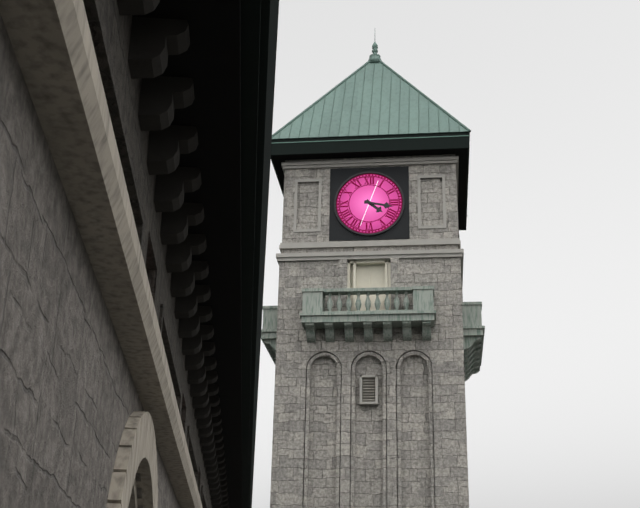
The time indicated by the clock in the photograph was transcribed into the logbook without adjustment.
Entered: 4:17
